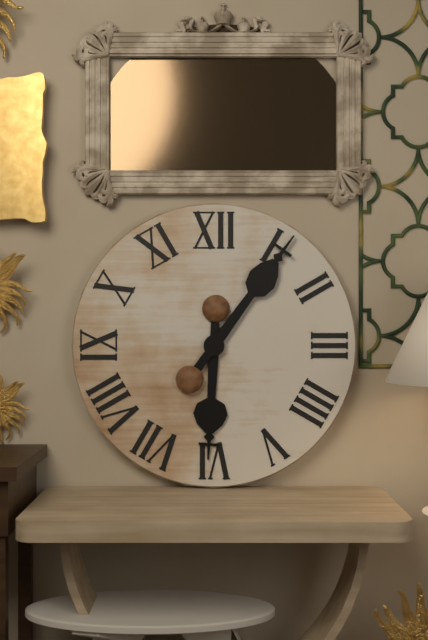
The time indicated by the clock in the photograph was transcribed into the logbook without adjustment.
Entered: 6:06
